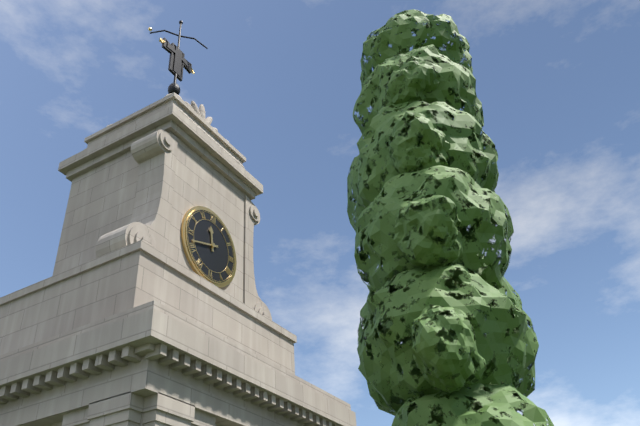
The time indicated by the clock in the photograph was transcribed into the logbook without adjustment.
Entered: 11:42
